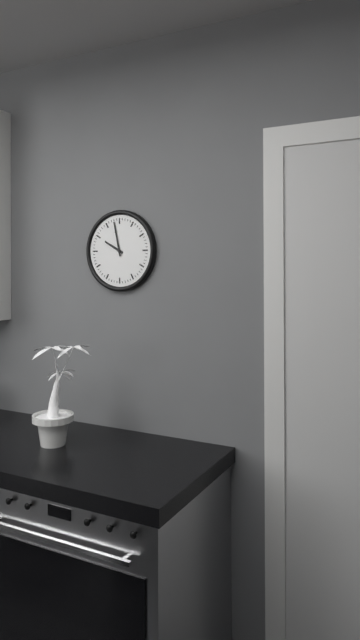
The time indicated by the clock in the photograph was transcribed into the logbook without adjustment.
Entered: 9:58
